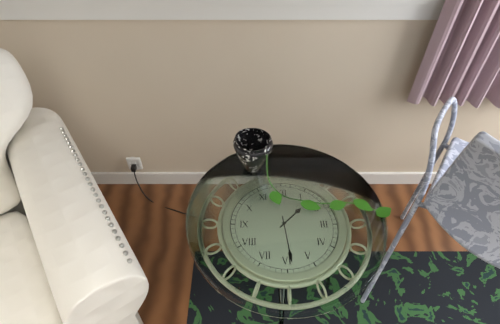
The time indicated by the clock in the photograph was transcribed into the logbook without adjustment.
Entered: 1:29
